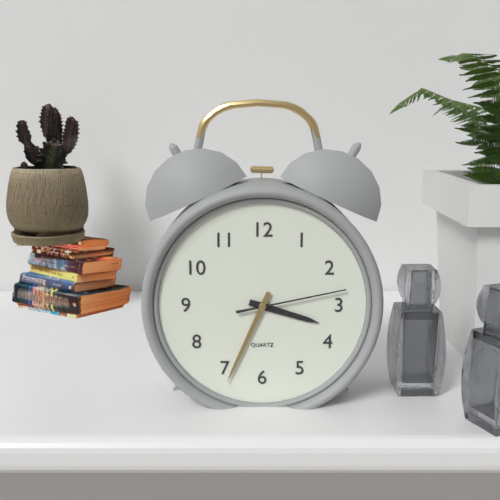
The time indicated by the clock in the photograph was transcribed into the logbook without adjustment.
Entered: 3:34:13
